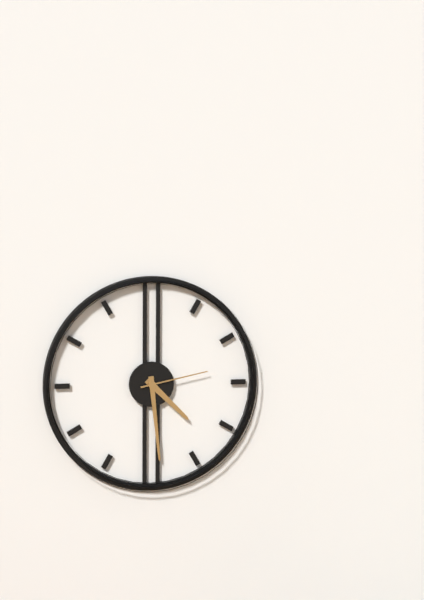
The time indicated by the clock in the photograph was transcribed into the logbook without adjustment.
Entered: 4:29:13
